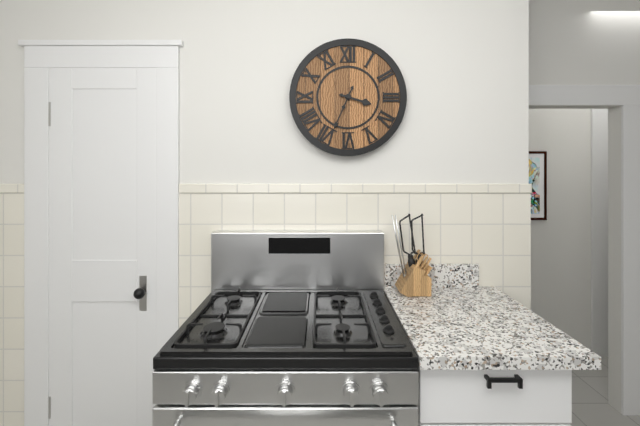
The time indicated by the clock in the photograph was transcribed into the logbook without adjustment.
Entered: 3:34
